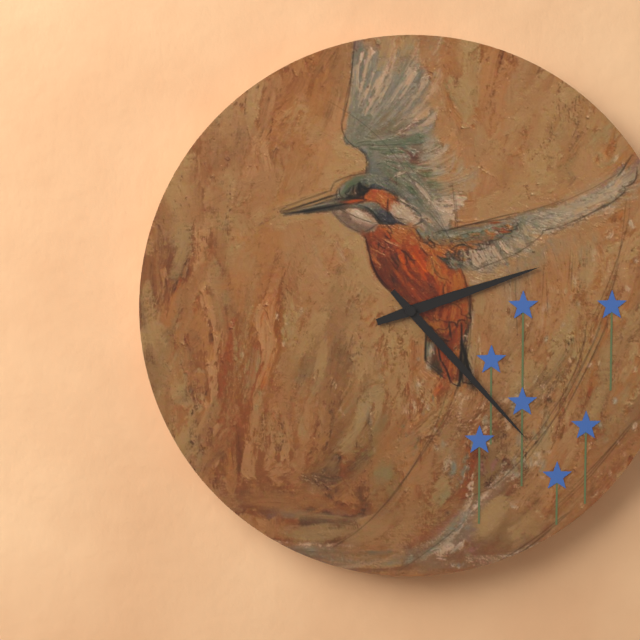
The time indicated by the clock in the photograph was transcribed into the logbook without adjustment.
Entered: 2:23
